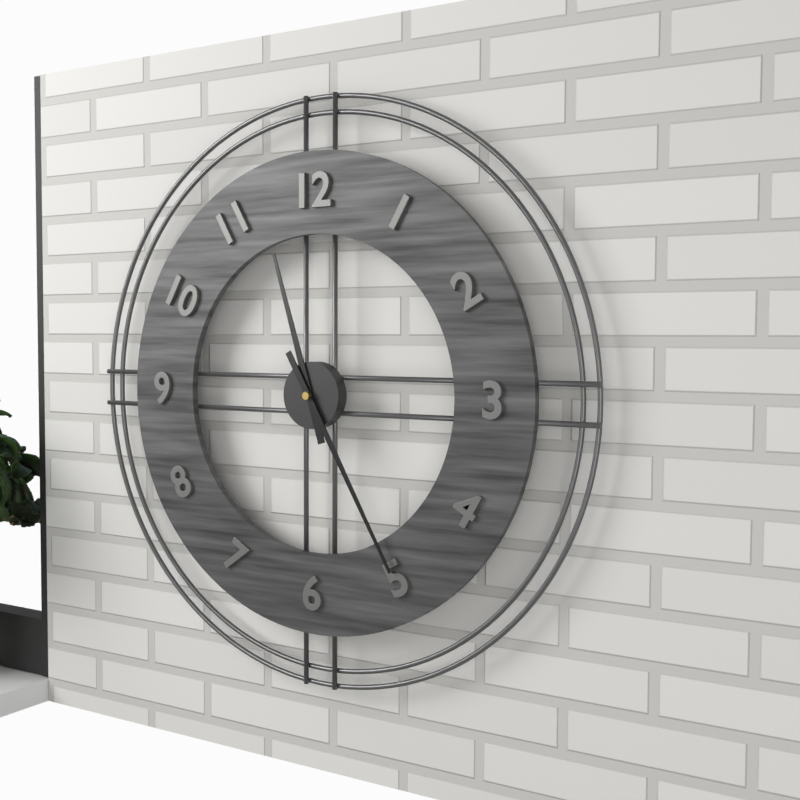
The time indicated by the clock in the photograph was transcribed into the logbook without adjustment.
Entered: 11:25
